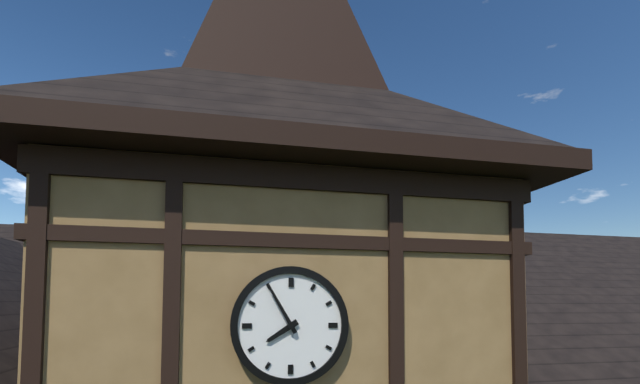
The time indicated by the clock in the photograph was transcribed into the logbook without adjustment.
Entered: 7:55
